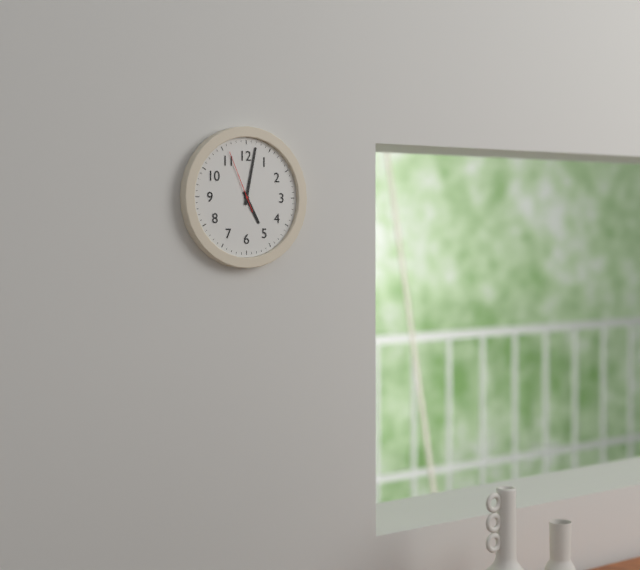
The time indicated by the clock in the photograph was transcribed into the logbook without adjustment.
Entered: 5:02:56
